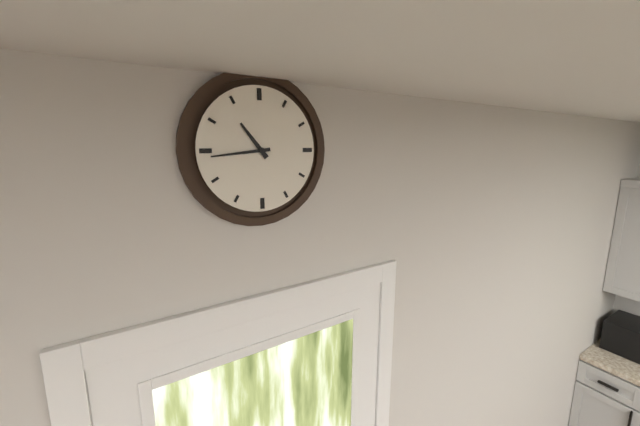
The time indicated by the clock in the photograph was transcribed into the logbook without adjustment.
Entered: 10:44
